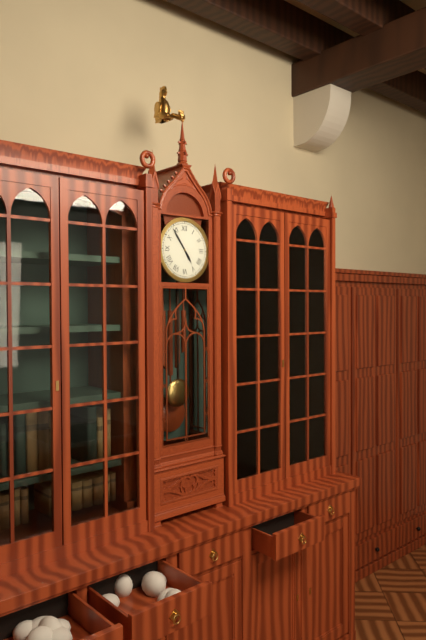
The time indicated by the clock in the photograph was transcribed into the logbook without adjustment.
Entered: 4:54
